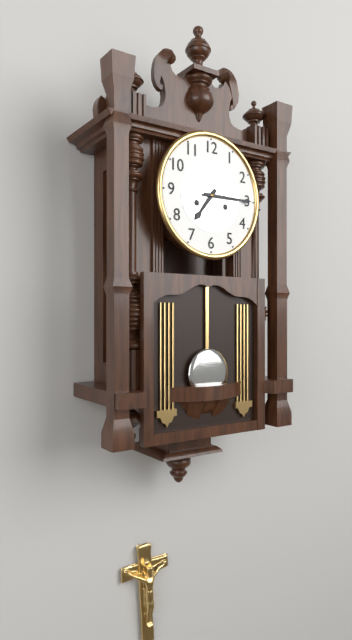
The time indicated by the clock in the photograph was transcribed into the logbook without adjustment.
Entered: 7:15
